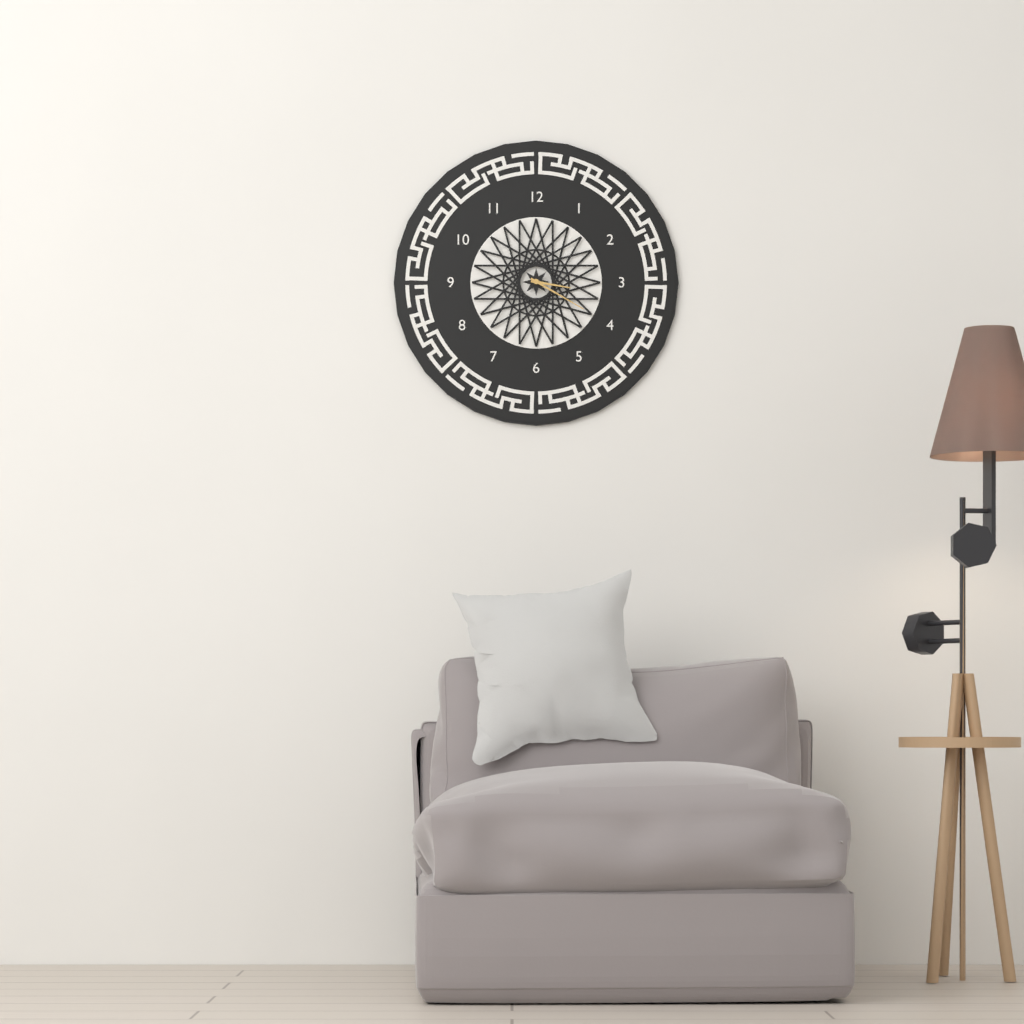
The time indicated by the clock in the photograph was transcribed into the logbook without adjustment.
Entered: 3:20
